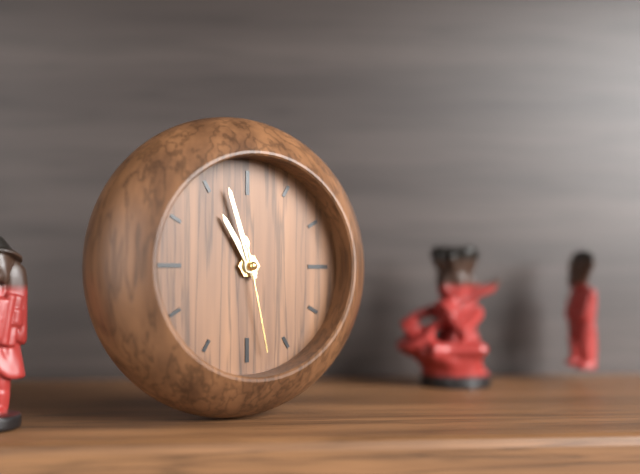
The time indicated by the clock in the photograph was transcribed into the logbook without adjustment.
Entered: 10:57:28
